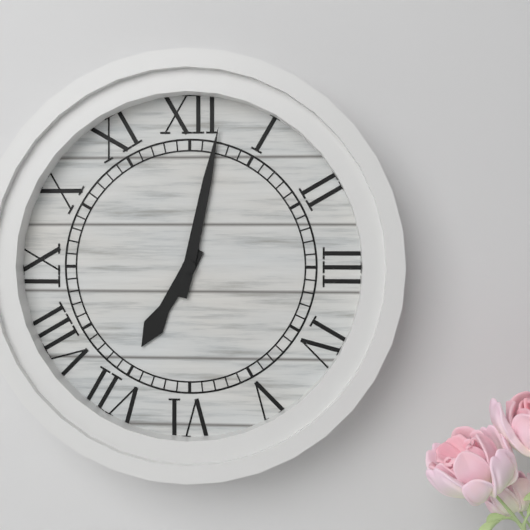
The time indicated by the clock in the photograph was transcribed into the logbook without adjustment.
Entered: 7:02
